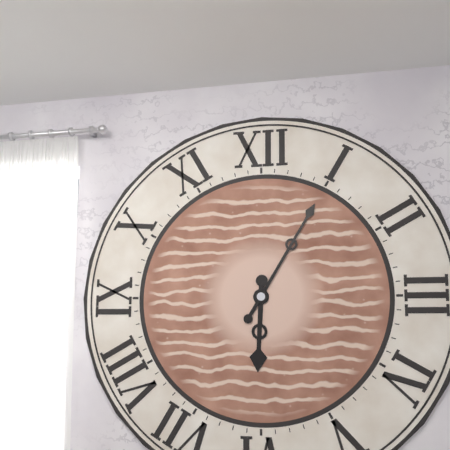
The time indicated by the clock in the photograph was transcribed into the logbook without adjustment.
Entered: 6:05
